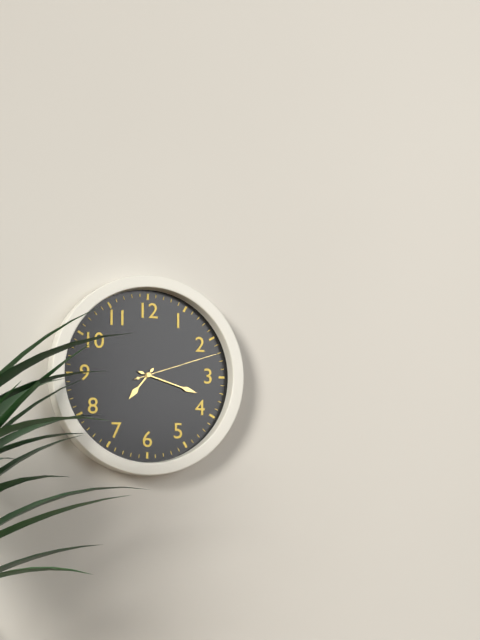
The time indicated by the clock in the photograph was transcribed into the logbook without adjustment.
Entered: 7:18:12
